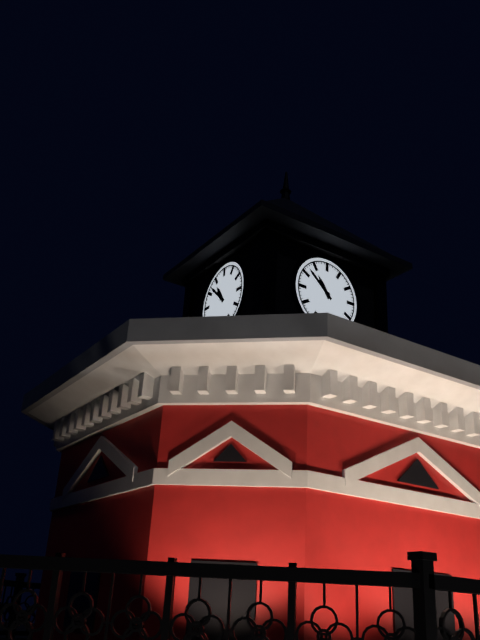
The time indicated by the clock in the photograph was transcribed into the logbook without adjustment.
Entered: 10:52
